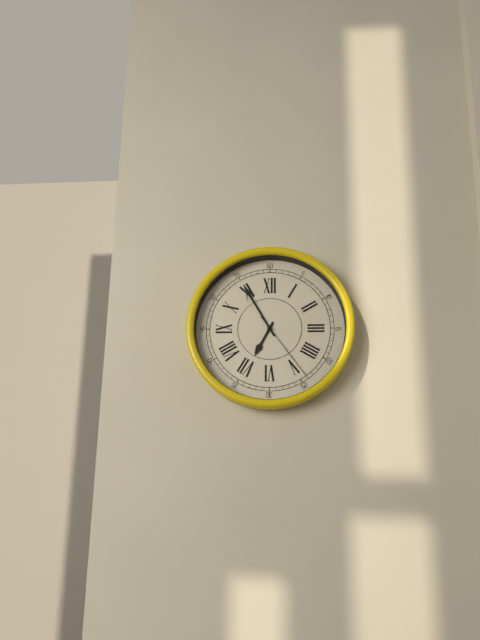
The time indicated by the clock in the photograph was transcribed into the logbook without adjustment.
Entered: 6:55:24
